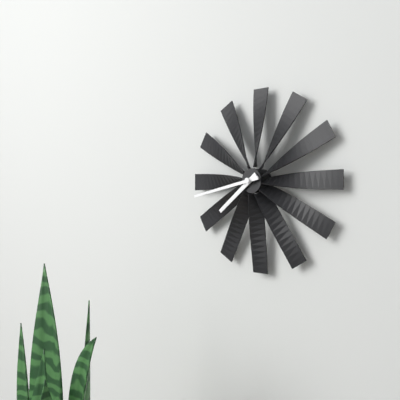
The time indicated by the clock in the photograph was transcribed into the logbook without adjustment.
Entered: 7:43
